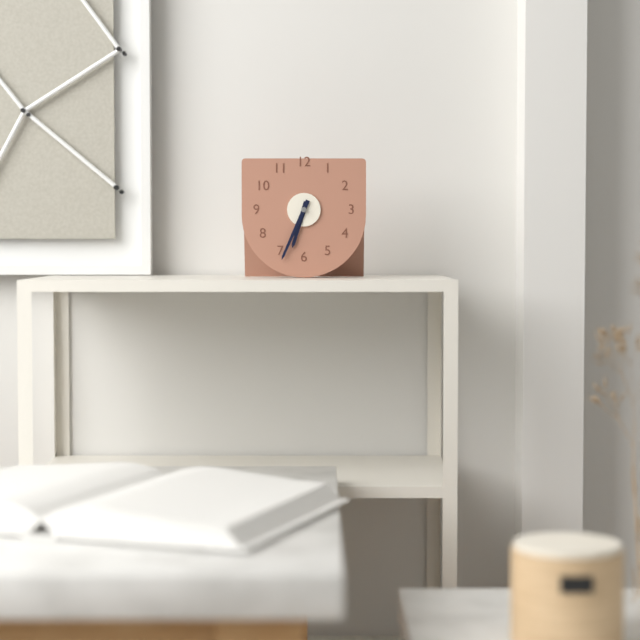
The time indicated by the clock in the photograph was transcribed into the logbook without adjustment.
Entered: 6:34
